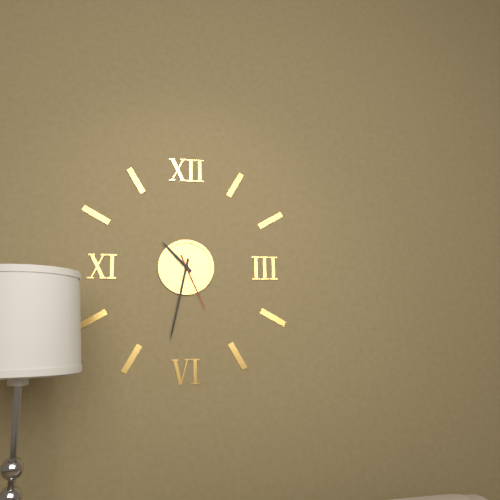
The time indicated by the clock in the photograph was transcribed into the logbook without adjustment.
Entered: 10:32:26
